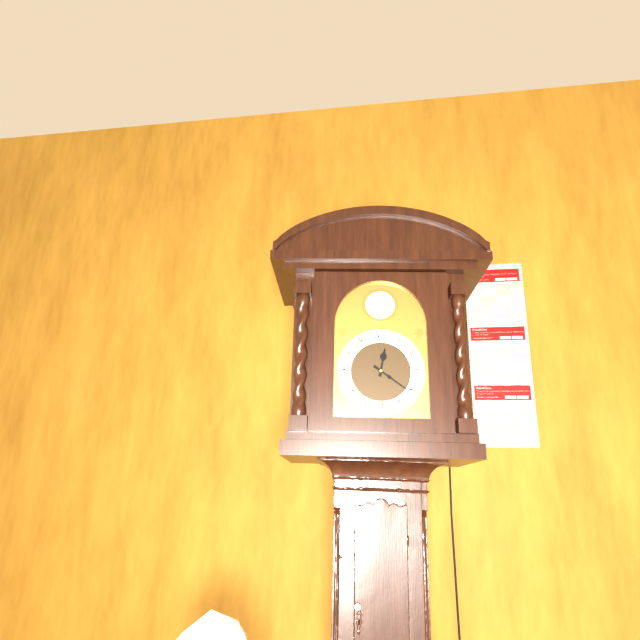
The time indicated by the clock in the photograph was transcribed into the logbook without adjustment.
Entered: 12:21
